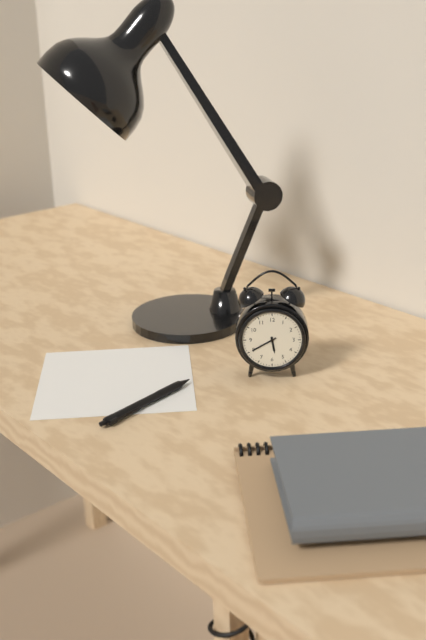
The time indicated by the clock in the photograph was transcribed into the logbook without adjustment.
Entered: 5:40
